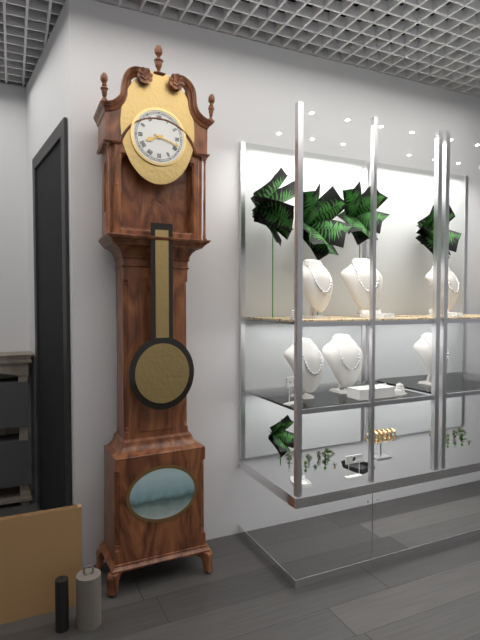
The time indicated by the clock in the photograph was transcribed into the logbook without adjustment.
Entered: 8:18
